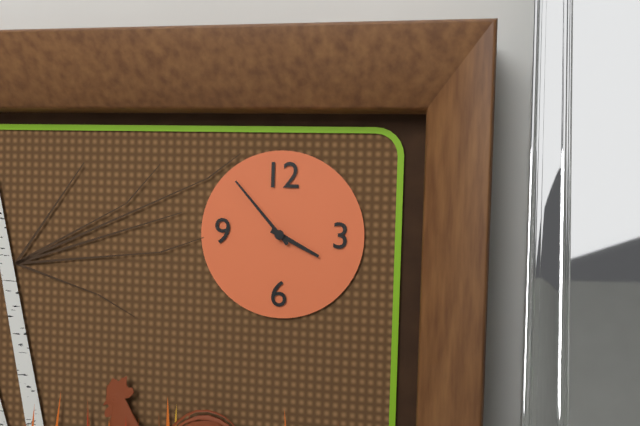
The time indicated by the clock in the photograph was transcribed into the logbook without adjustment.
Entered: 3:53
